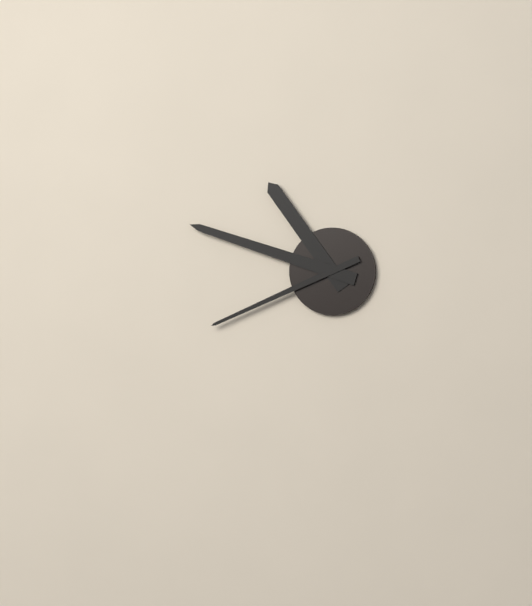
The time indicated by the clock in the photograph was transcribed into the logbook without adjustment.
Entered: 10:48:41
